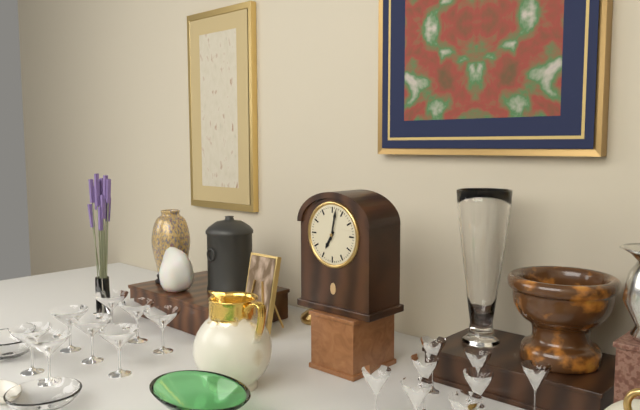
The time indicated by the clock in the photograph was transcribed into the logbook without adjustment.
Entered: 7:02
